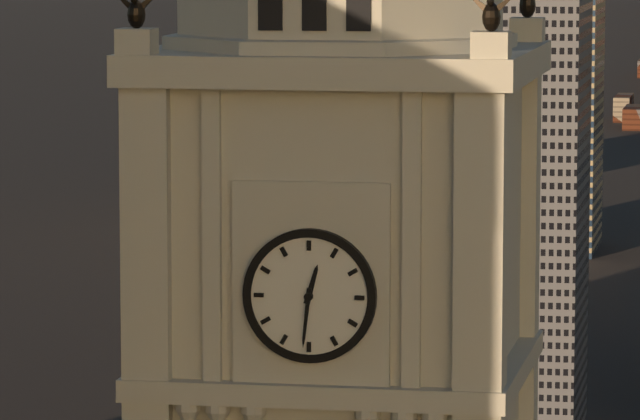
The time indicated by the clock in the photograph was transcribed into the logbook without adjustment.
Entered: 12:31
